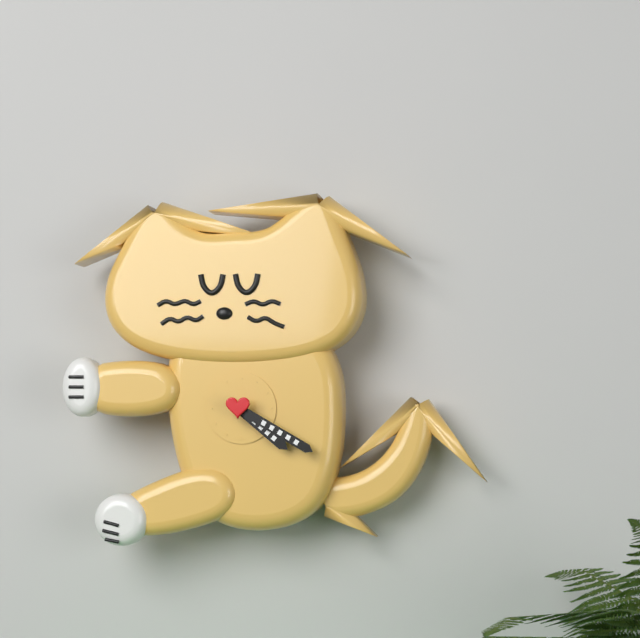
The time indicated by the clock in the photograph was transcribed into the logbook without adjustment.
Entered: 4:20
